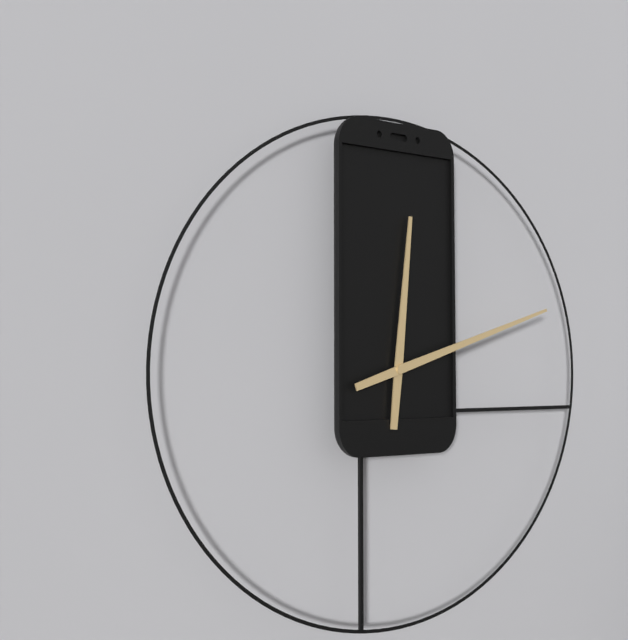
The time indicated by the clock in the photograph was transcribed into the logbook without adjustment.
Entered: 12:12
